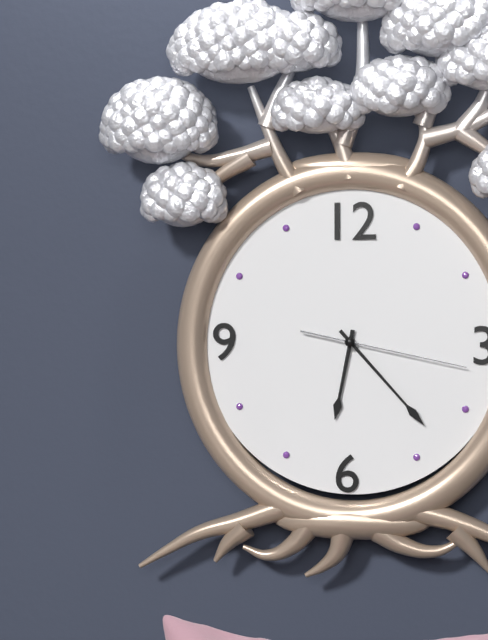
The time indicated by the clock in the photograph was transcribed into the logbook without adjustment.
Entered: 6:23:17
